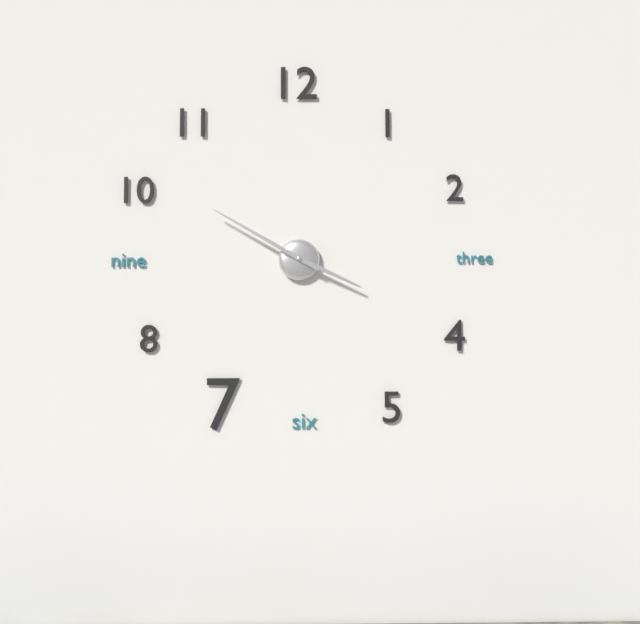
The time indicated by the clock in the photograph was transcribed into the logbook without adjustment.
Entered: 3:50
